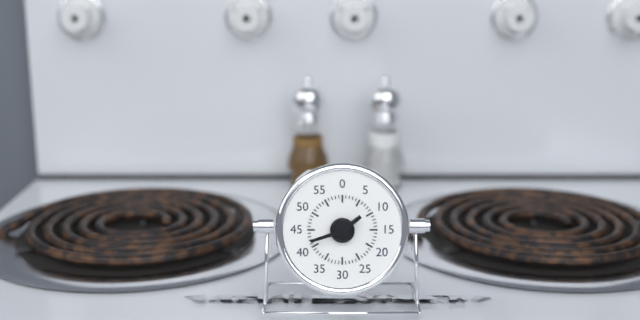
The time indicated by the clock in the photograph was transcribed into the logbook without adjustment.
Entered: 1:42
